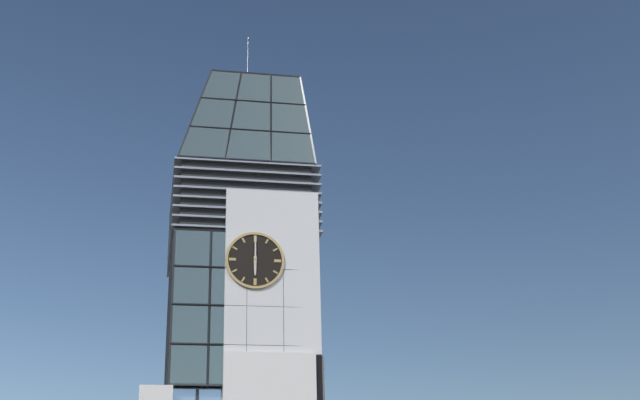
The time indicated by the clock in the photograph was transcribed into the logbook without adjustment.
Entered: 6:00
